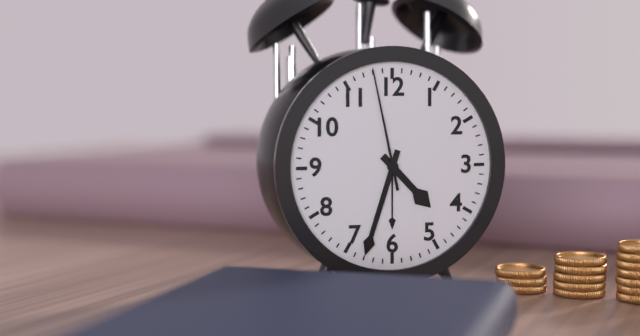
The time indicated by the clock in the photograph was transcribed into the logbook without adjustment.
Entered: 4:33:58
